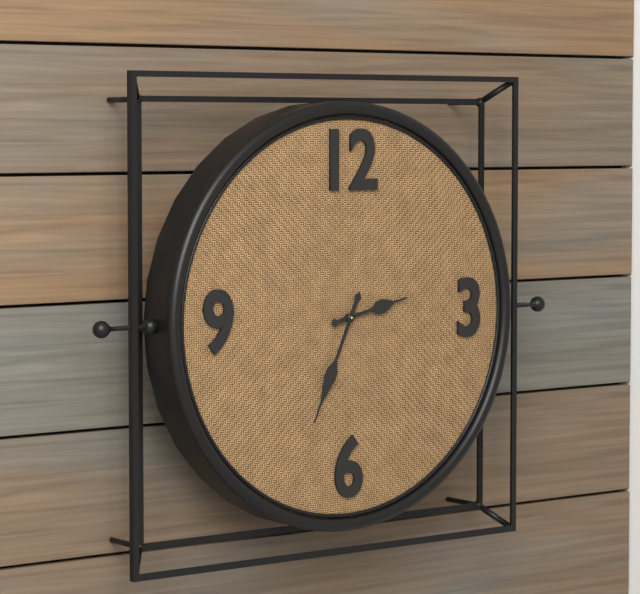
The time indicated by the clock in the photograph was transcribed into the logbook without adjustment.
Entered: 2:34
